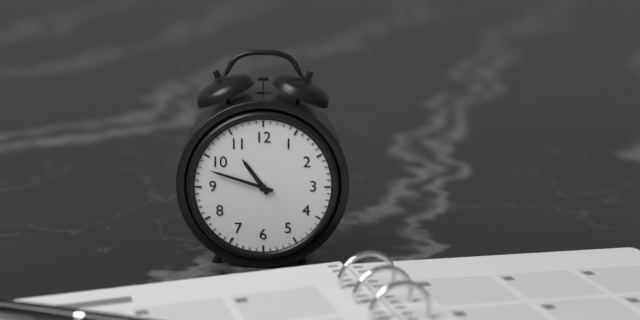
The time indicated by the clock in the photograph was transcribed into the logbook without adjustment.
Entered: 10:48
